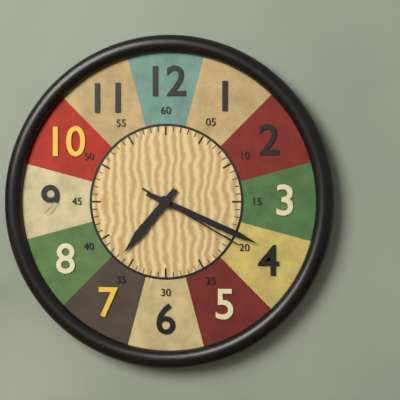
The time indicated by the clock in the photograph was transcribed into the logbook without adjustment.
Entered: 7:19:20
